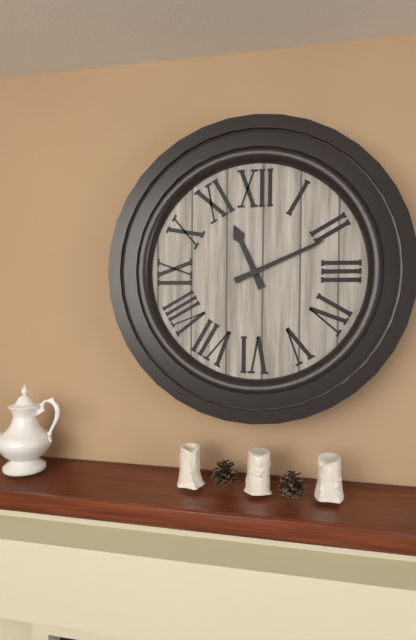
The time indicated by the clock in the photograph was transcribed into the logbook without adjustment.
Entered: 11:11
